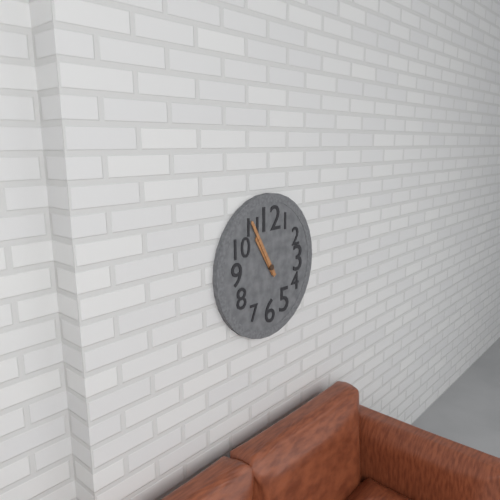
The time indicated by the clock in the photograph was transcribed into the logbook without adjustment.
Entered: 10:55
